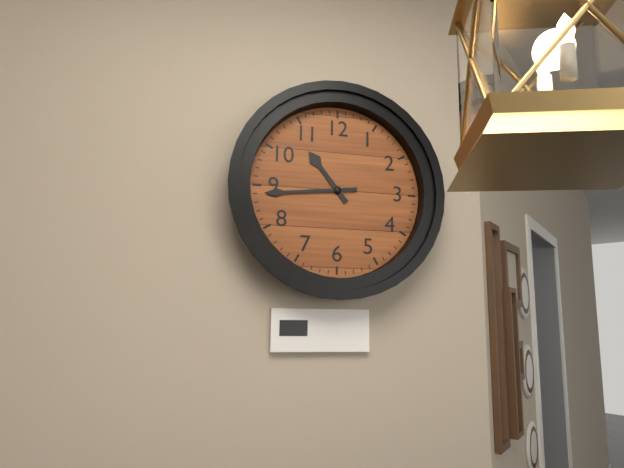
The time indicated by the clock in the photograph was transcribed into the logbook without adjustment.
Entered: 10:44
